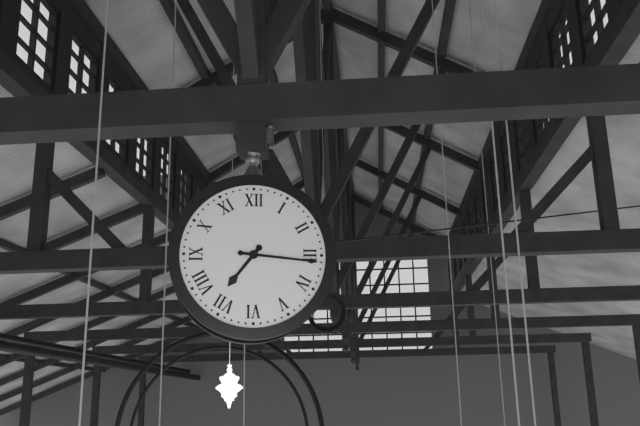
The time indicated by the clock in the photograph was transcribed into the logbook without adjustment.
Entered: 7:16
